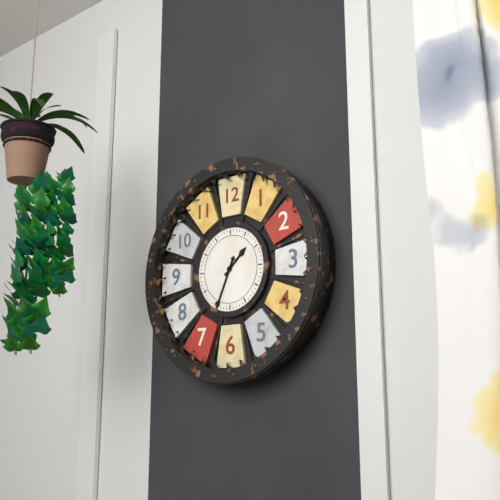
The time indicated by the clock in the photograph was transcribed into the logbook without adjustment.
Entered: 1:34
